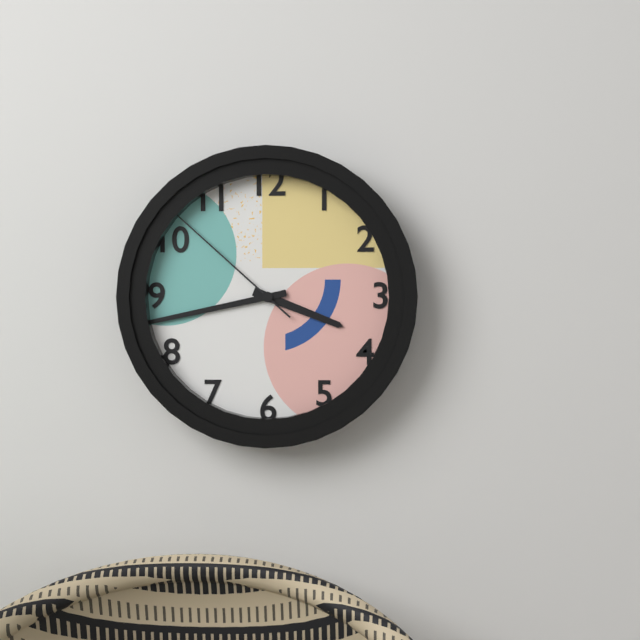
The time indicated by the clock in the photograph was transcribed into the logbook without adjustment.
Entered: 3:43:52
